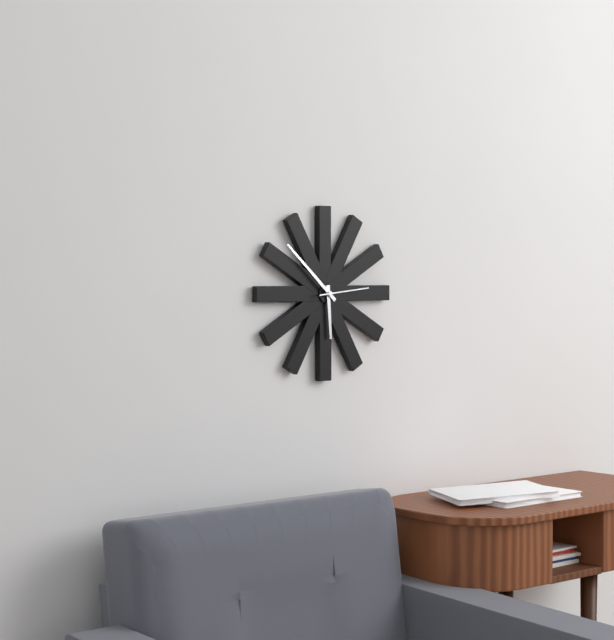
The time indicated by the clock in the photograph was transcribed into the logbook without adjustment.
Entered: 5:52
